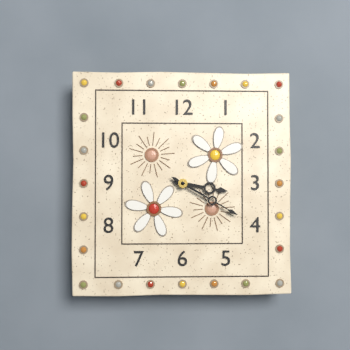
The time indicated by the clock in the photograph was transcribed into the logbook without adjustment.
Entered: 3:20
